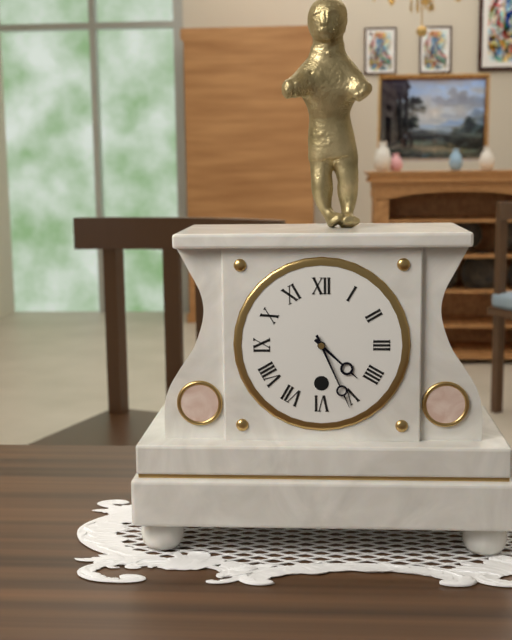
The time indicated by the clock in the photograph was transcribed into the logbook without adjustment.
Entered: 4:26
